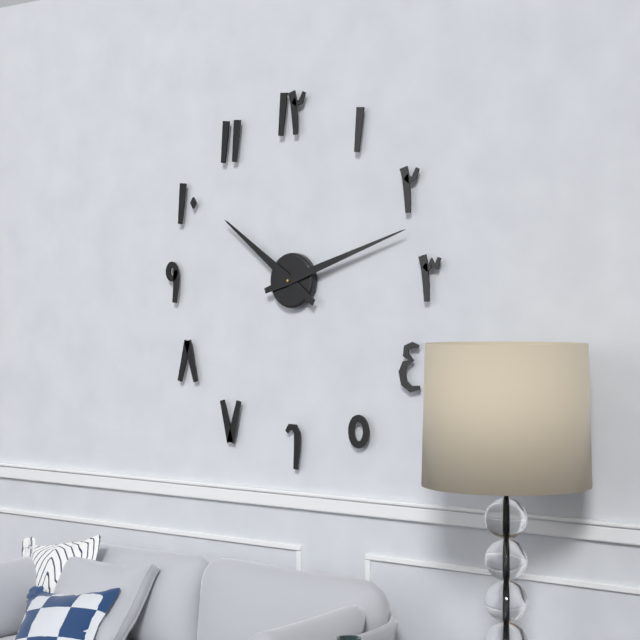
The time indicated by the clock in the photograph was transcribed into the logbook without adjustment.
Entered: 10:12
